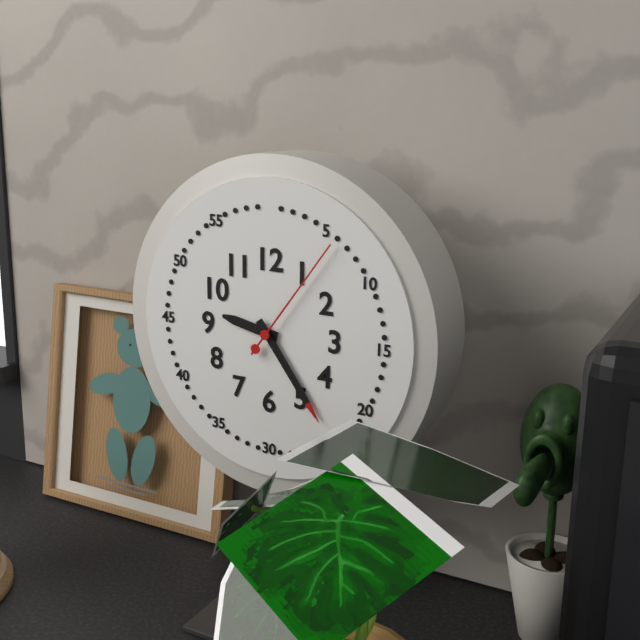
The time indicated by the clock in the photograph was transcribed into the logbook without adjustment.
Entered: 9:24:06
